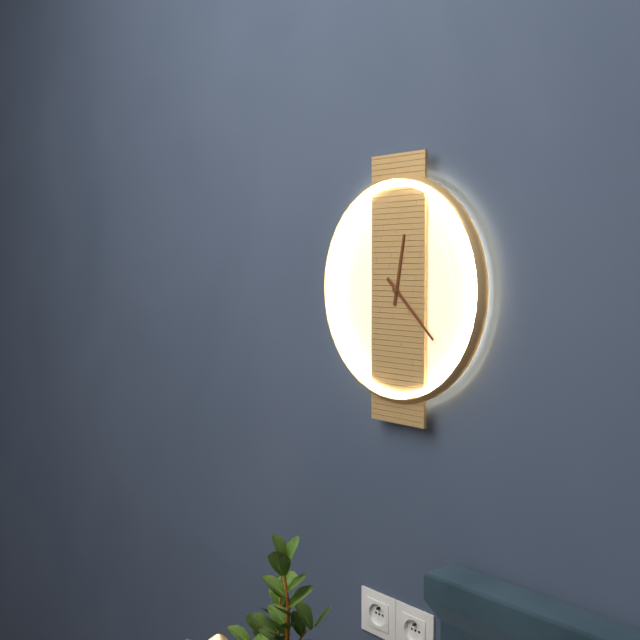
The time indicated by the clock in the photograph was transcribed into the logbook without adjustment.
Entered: 12:22
